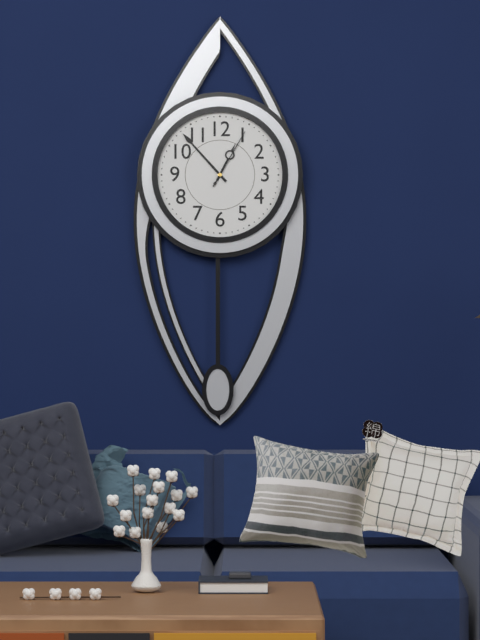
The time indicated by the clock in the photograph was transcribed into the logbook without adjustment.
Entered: 12:53:05
